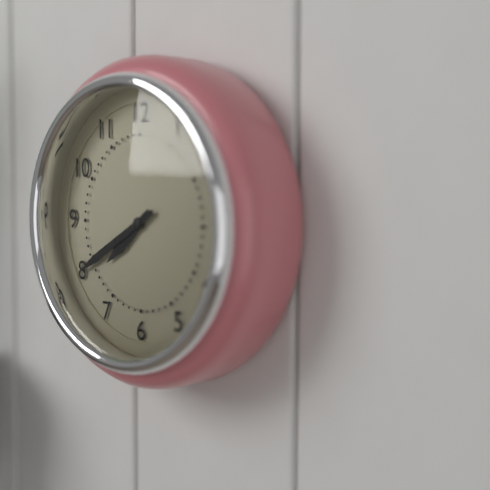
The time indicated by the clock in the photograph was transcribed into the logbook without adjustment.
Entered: 7:40
